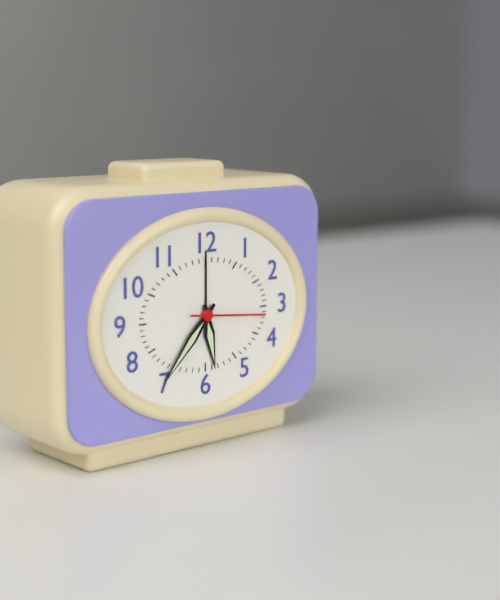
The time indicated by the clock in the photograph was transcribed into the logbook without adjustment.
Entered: 5:37:16
